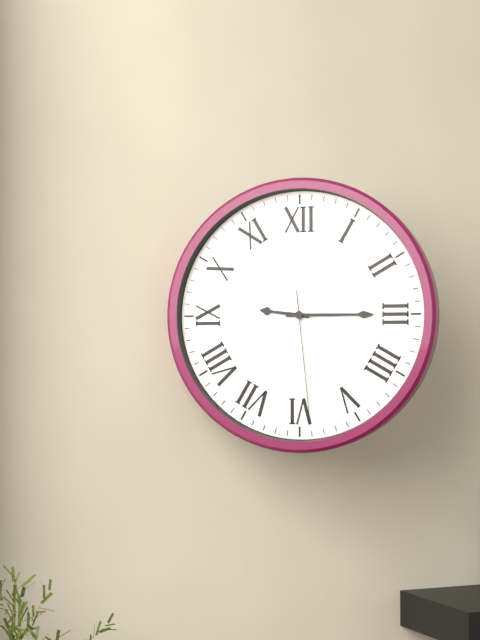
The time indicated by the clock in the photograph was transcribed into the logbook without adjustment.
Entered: 9:15:29
